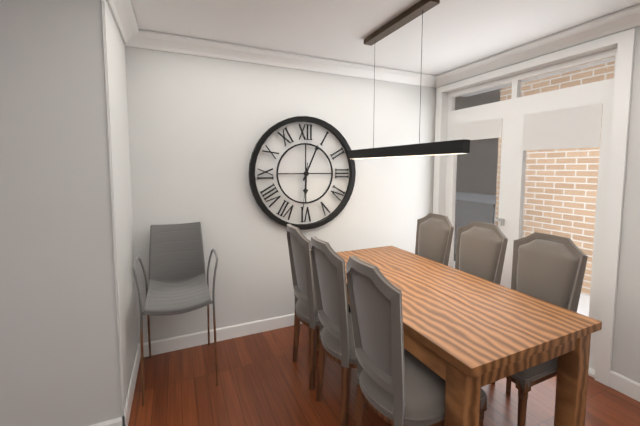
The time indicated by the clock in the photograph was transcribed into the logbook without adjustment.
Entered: 6:04
